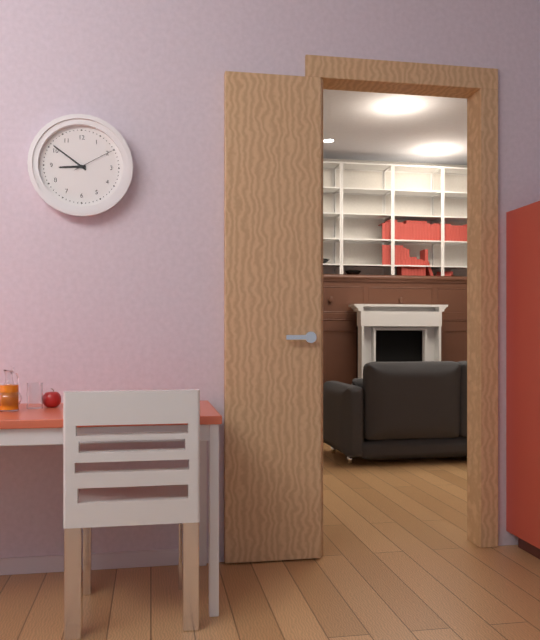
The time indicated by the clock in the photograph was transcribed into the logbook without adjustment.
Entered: 8:51
